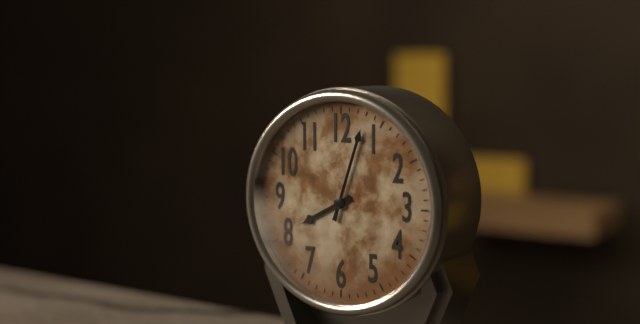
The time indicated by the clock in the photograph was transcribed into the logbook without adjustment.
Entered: 8:03
